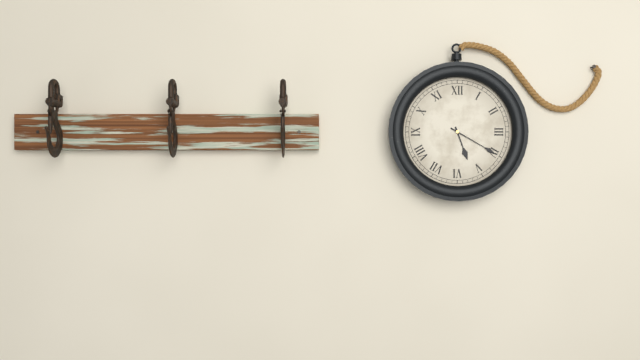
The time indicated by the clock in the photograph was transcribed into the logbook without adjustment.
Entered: 5:20
